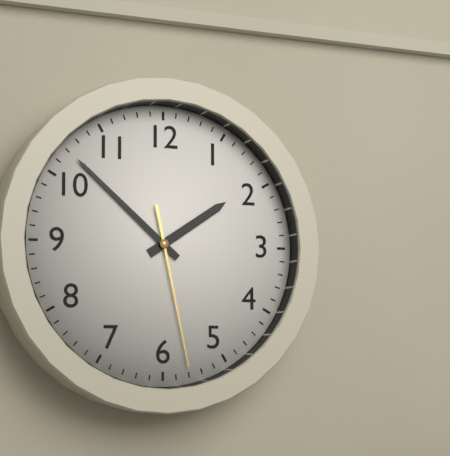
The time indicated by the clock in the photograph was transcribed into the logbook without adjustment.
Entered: 1:52:28
